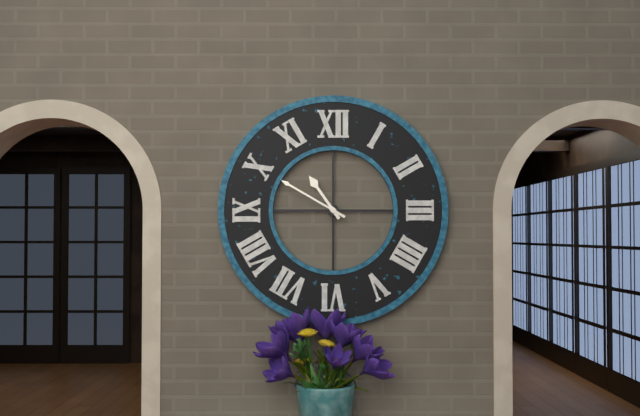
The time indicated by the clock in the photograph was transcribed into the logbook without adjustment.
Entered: 10:50
